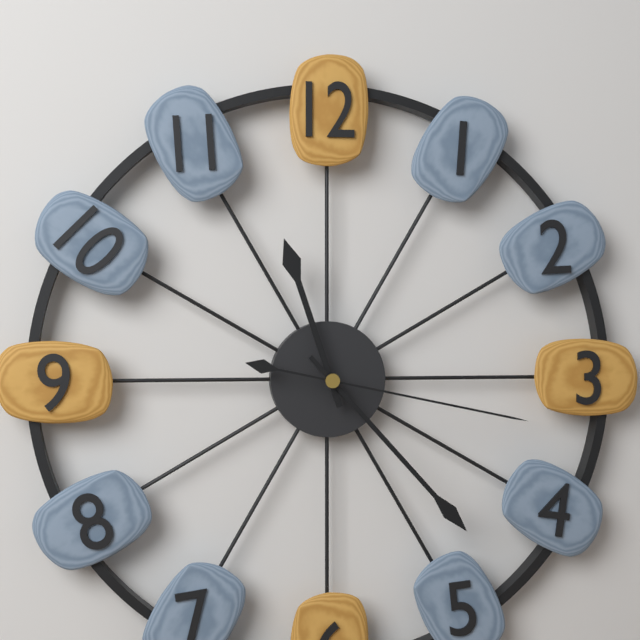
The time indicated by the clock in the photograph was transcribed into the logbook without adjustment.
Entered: 11:23:17
